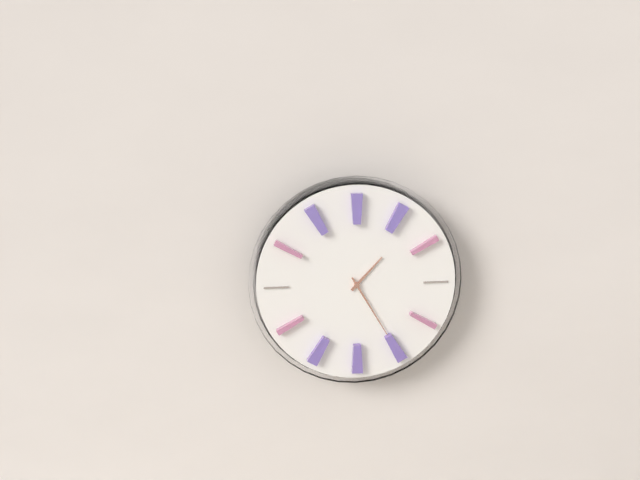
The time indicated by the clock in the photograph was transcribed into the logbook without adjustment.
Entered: 1:25
